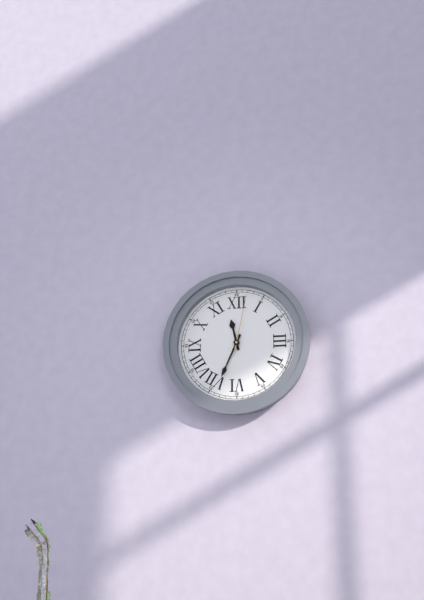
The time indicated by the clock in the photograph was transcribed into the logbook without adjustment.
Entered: 11:34:02
